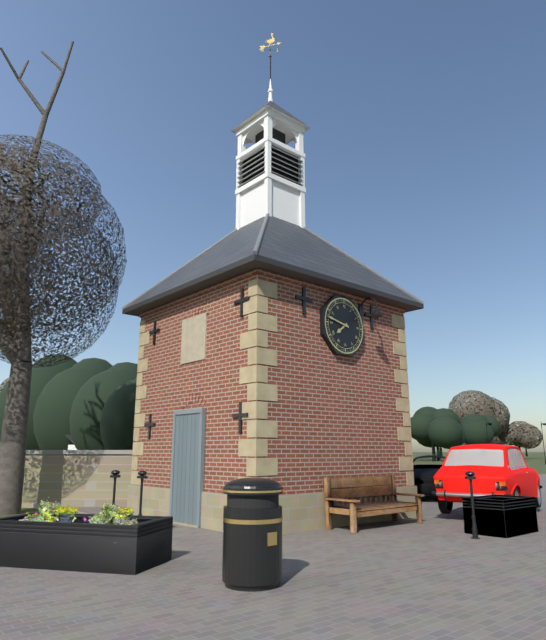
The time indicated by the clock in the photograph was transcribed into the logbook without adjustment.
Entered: 7:47
